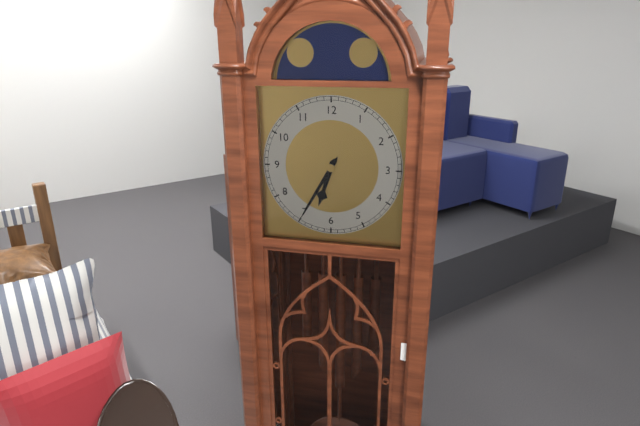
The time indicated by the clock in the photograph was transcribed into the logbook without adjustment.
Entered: 6:35
